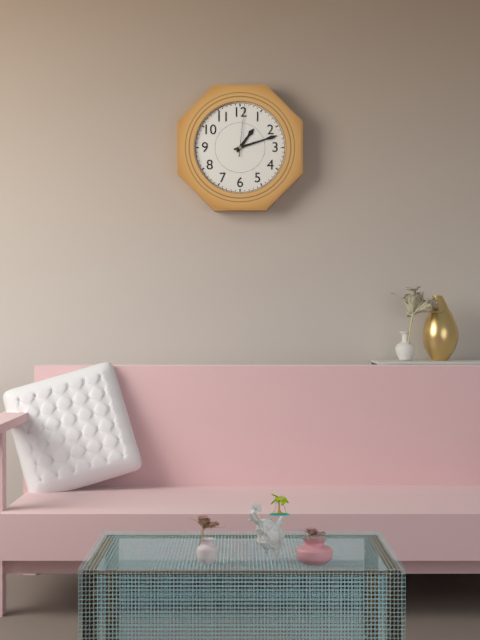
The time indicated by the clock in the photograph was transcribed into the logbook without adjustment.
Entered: 1:12:01
